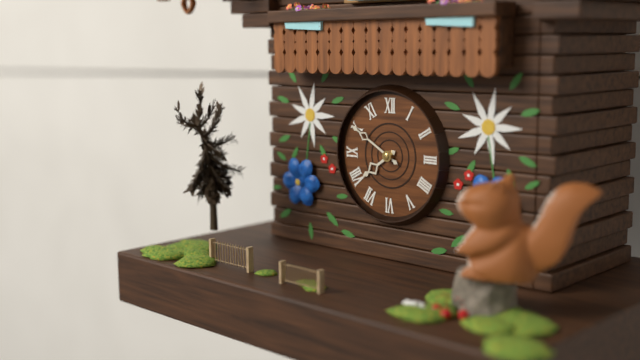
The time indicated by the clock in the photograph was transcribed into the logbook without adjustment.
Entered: 7:50
